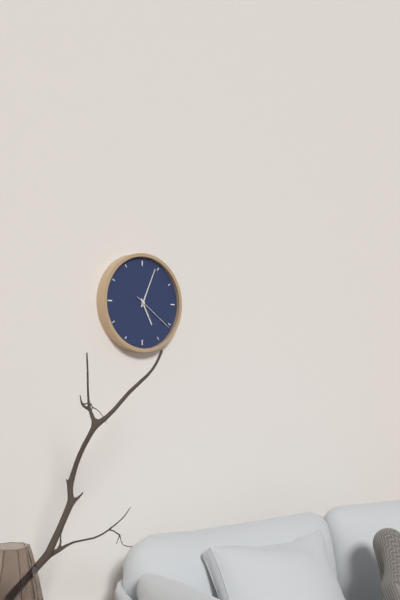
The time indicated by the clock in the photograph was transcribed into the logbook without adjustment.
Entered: 5:04
